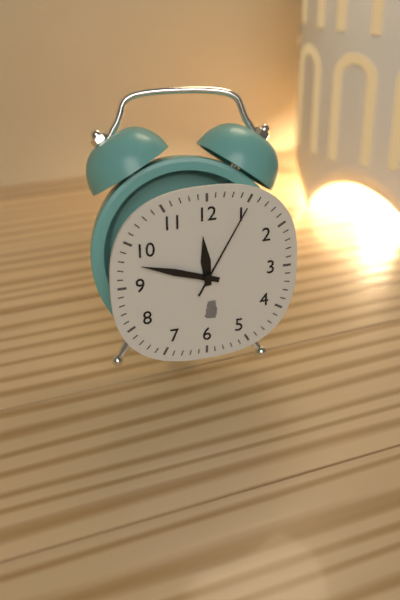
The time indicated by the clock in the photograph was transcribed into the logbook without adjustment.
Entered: 11:48:05
